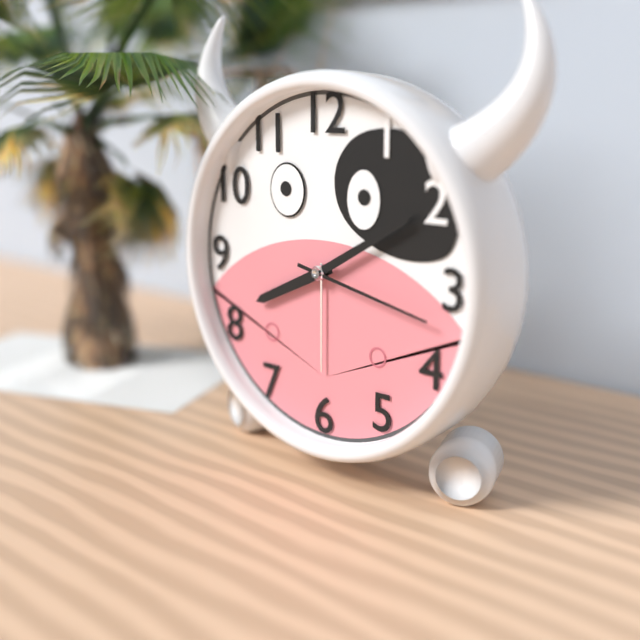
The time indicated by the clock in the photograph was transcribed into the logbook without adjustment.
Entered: 8:10:17
